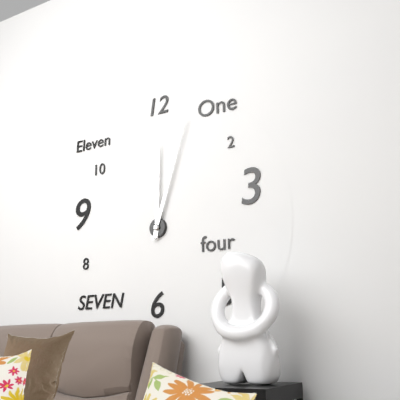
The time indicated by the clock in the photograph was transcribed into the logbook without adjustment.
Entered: 12:03
